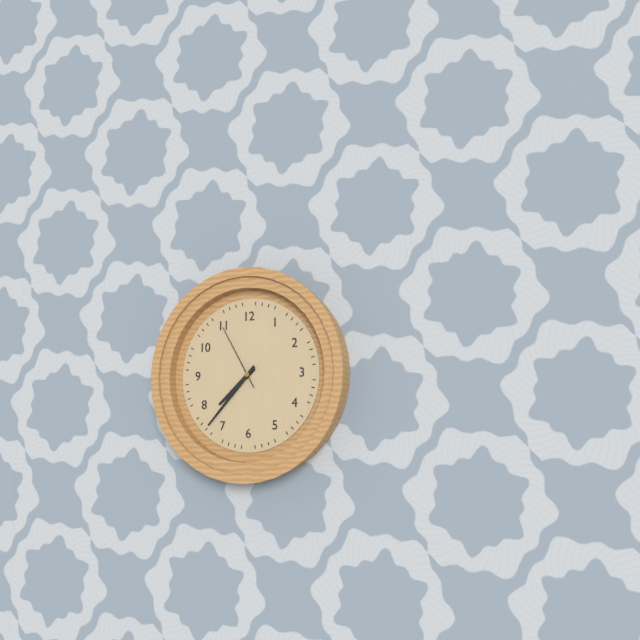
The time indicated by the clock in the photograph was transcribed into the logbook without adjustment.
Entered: 7:37:55
